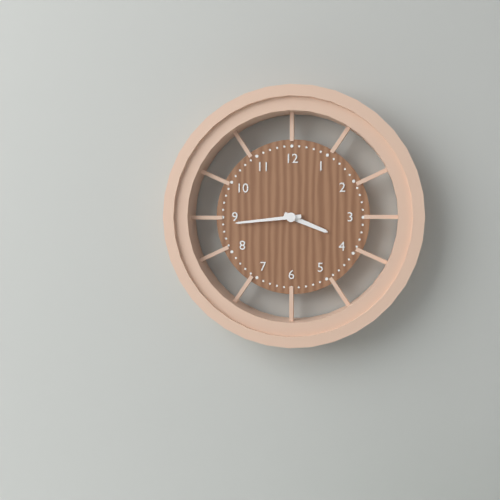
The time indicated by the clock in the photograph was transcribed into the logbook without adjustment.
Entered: 3:44
